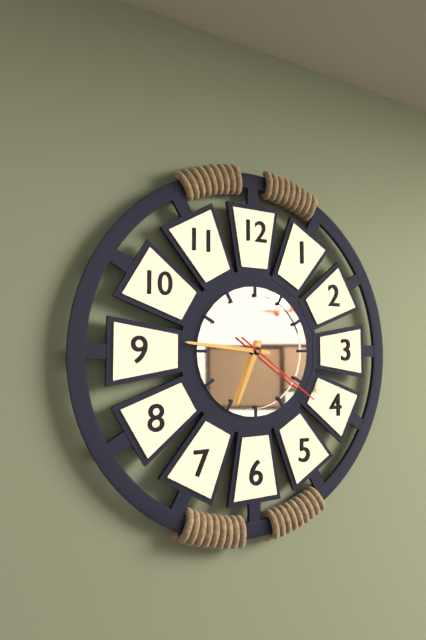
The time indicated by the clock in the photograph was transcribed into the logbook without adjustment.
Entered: 6:46:21
